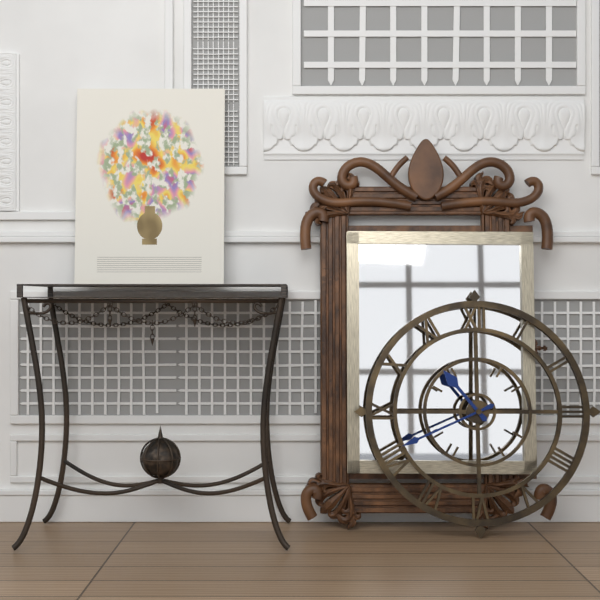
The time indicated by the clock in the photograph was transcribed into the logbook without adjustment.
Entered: 10:41
